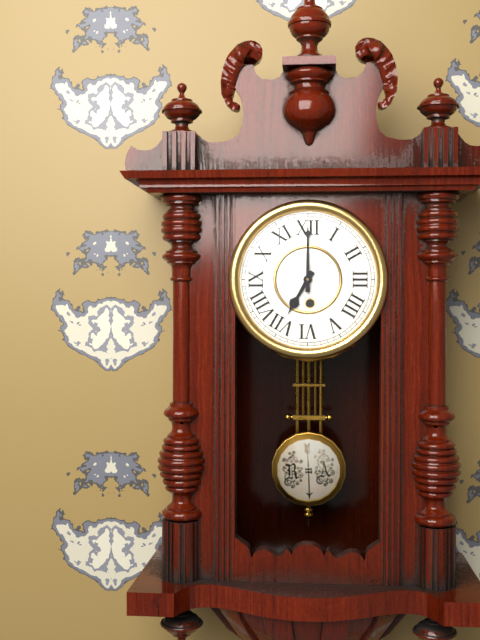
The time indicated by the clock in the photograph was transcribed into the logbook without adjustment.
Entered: 7:00
